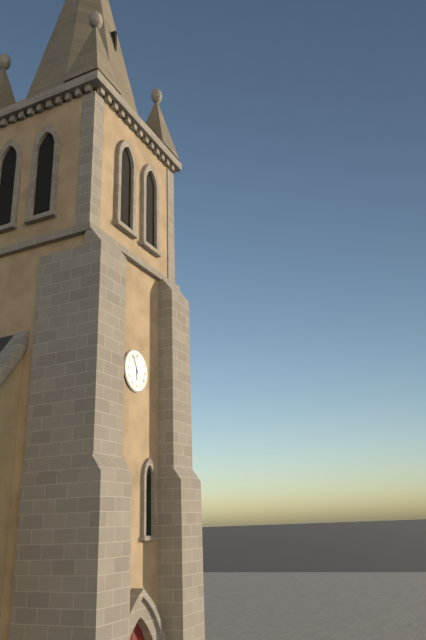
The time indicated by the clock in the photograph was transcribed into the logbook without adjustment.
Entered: 5:56
